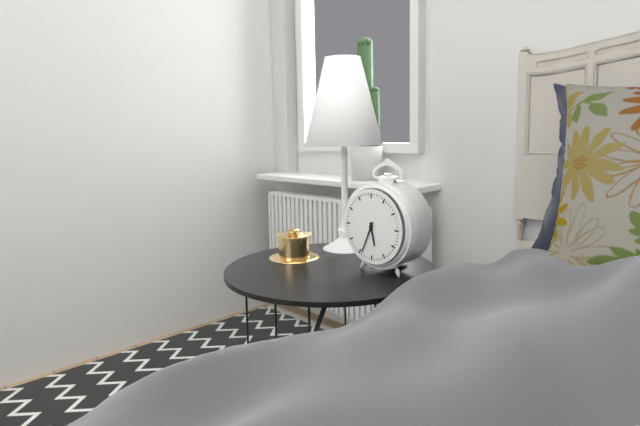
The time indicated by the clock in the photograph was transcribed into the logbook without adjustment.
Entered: 5:34
